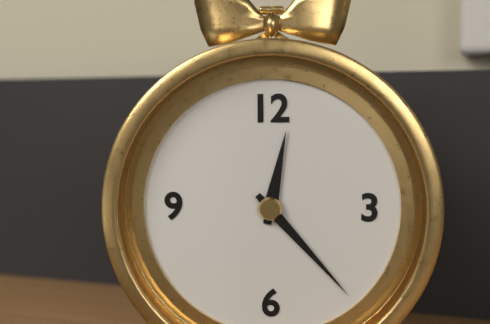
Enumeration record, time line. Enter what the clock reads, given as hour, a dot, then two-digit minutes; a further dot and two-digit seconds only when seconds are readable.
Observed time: 12.23
